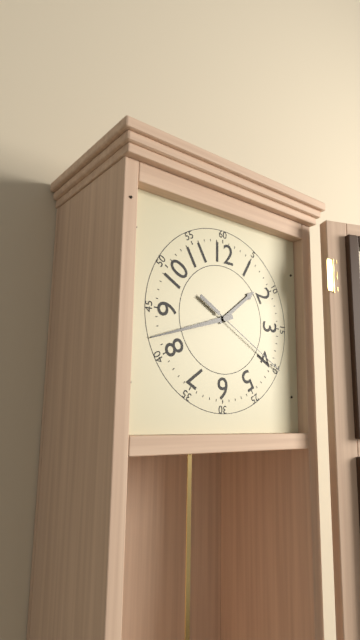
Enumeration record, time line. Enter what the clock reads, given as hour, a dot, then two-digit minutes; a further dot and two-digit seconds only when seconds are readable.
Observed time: 1.42.20
